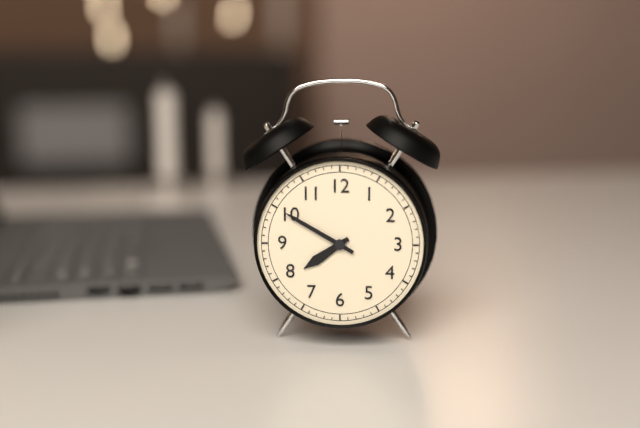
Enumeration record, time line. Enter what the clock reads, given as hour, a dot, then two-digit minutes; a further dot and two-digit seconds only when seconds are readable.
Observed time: 7.50
